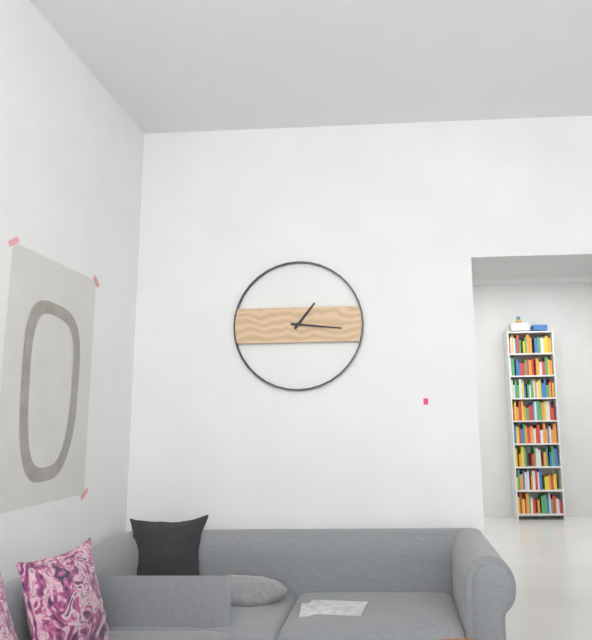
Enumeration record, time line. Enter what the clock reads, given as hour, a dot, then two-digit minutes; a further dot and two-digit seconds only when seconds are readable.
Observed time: 1.16
